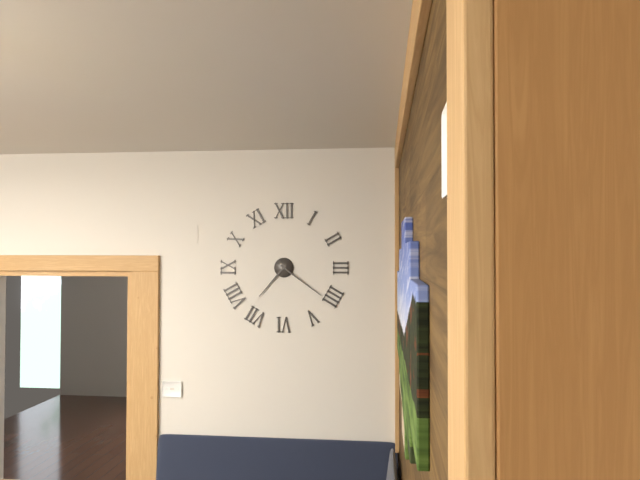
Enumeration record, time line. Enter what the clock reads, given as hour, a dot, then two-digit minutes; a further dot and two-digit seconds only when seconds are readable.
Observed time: 7.21
